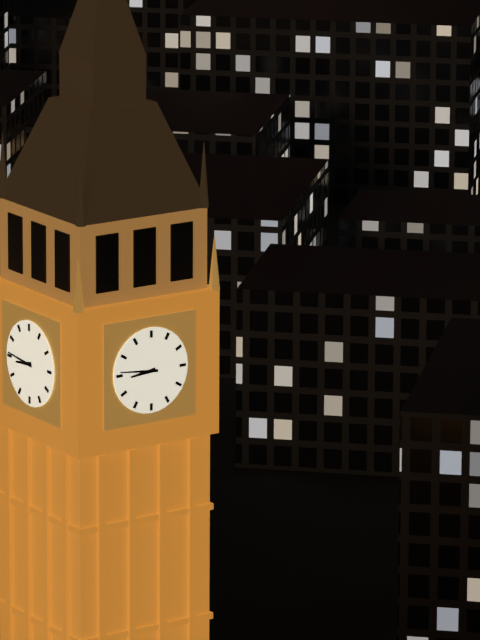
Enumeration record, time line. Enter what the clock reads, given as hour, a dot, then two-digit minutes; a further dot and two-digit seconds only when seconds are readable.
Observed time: 8.46
